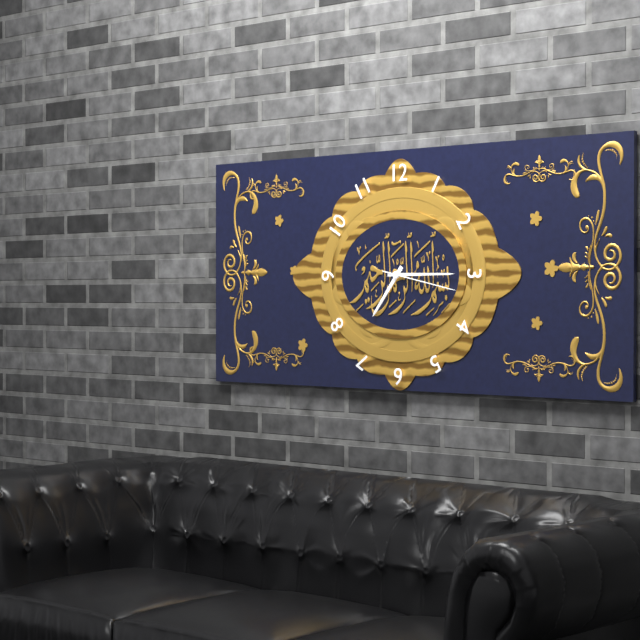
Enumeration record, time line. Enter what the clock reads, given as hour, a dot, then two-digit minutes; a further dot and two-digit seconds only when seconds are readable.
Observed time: 7.15.17
